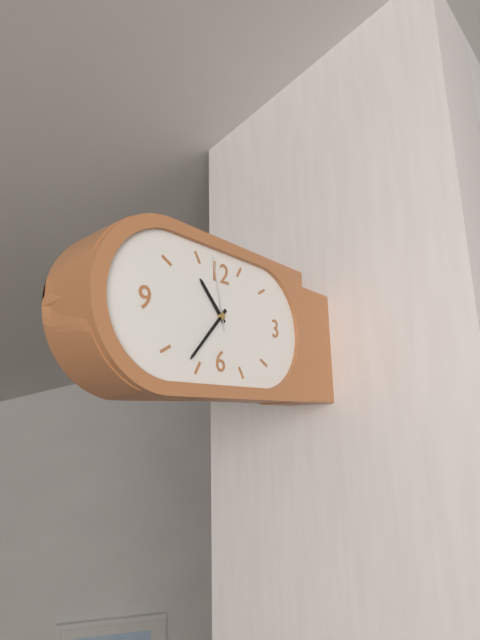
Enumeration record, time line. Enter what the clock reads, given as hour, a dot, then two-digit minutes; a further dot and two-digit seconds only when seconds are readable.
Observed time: 10.37.58
